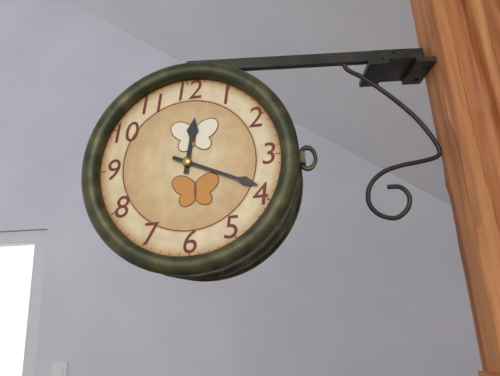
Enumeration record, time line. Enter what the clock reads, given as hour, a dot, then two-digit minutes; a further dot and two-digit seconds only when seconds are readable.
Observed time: 12.19
